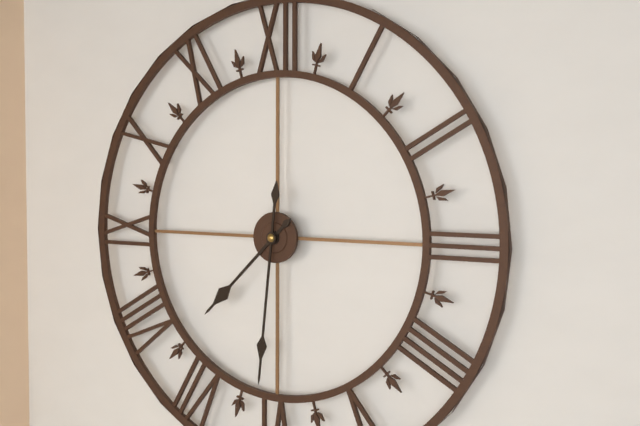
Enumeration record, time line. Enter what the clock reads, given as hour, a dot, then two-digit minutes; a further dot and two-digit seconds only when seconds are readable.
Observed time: 7.31
